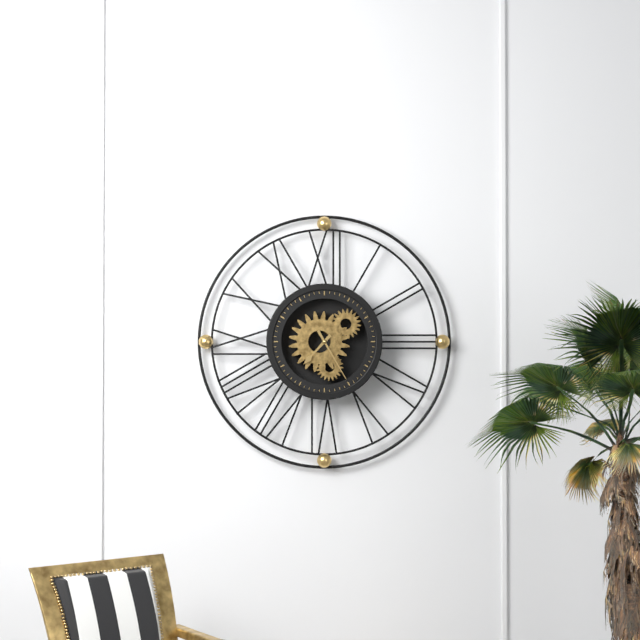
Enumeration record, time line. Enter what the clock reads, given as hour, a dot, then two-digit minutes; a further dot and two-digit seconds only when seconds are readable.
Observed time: 7.25
